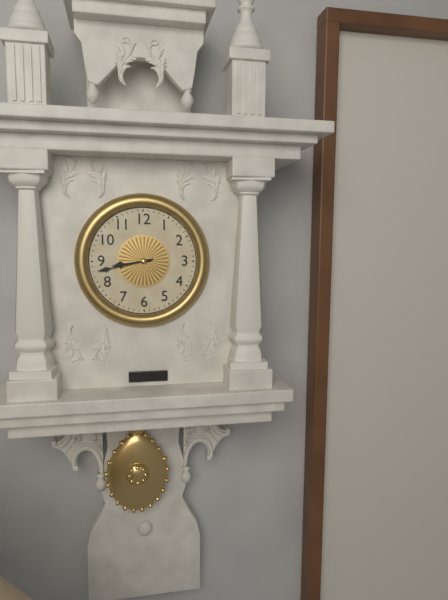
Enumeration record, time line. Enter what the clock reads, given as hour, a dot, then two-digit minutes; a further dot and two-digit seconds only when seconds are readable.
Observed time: 8.43
